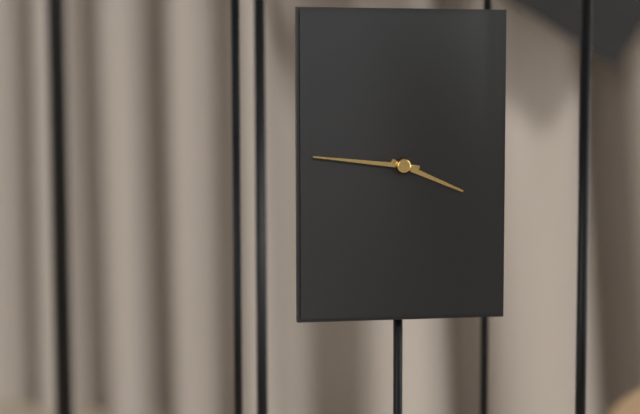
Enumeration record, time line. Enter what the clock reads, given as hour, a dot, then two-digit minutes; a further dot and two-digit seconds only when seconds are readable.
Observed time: 3.46
